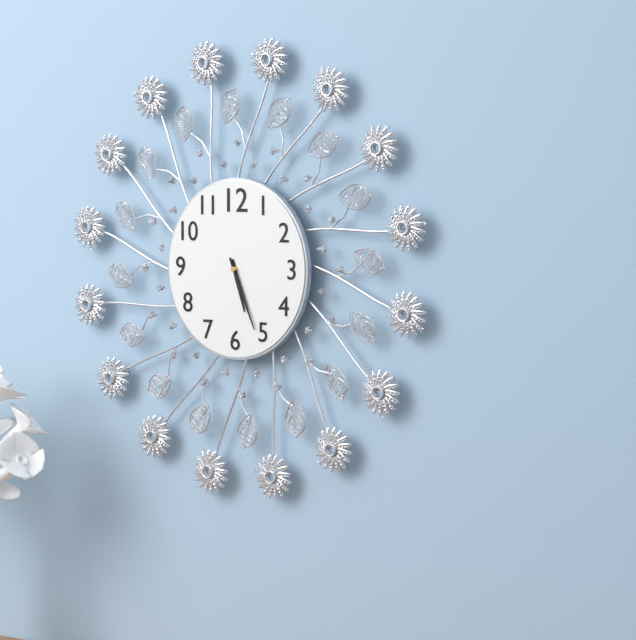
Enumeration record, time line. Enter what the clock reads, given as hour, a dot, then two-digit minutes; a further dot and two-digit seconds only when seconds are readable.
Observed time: 5.26
